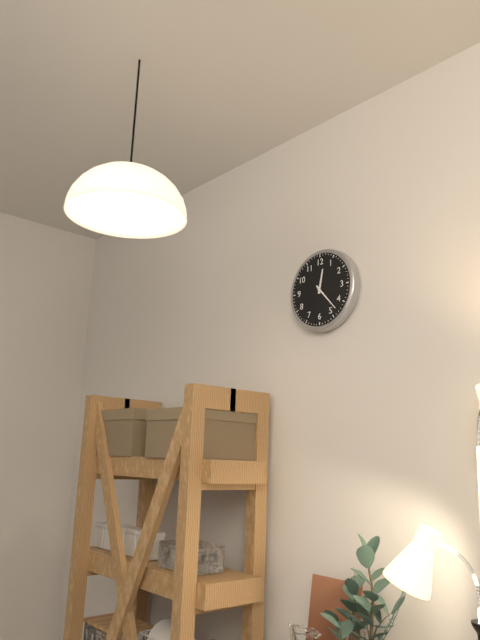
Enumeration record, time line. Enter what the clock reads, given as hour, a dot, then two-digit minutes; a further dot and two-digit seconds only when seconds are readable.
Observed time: 12.23
